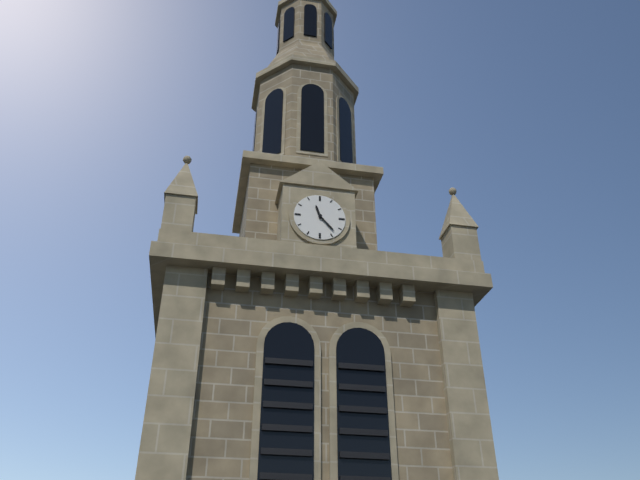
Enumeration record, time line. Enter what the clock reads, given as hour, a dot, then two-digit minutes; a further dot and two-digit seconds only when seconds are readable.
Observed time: 11.23
